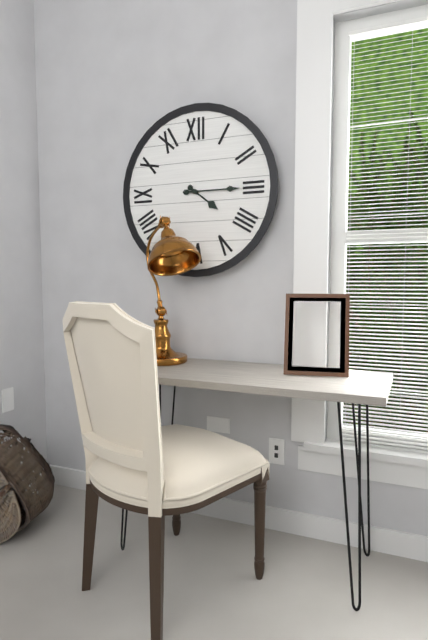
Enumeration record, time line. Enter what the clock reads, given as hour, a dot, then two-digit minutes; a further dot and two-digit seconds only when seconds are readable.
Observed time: 4.15
